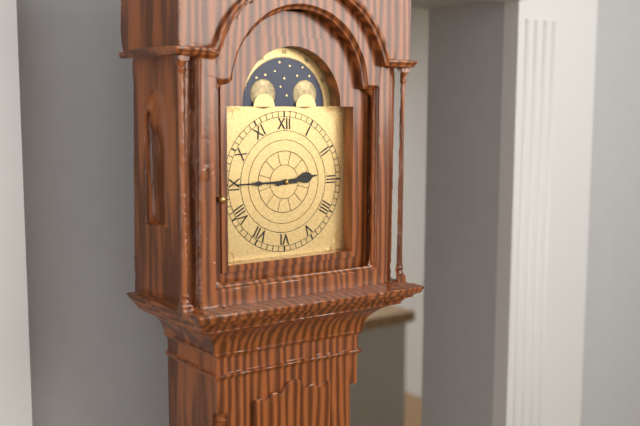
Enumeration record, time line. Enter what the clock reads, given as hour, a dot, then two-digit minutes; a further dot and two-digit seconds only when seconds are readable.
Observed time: 2.45
